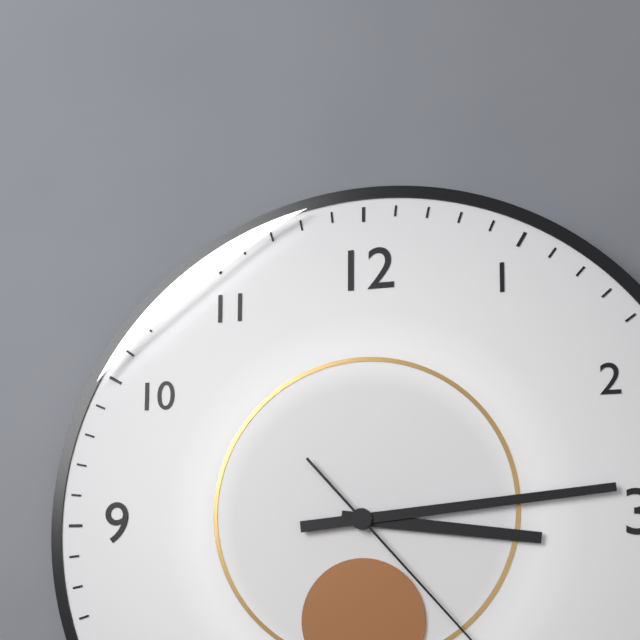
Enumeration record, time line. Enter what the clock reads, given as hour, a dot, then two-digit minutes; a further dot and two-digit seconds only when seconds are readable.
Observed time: 3.14
